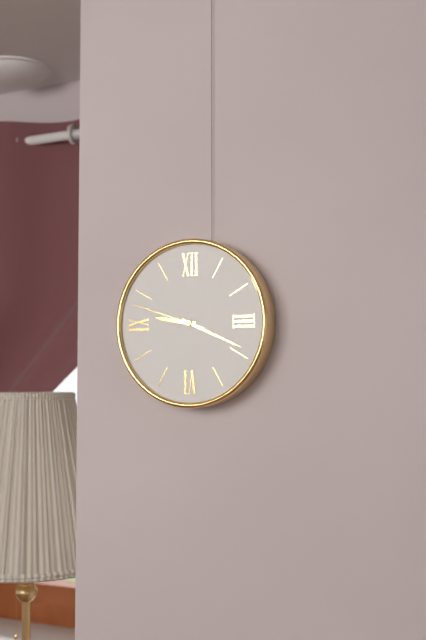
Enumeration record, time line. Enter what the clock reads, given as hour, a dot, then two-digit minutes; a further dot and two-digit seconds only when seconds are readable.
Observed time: 9.19.48
